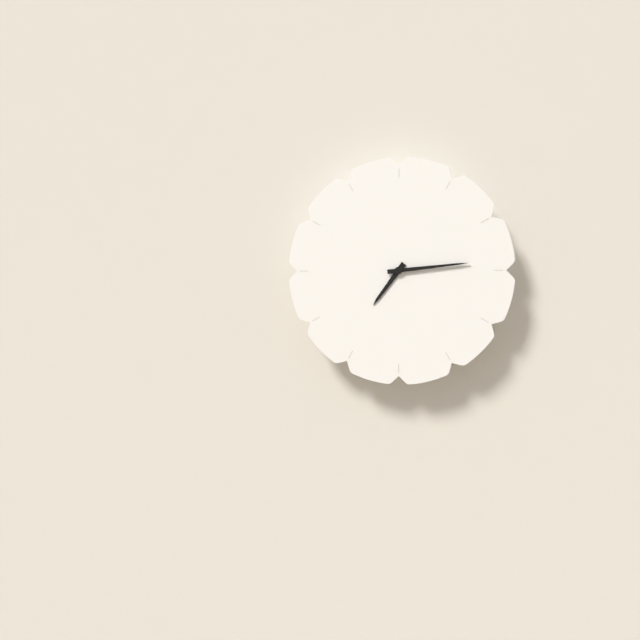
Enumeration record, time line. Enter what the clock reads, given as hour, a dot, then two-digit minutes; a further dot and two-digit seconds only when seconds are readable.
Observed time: 7.14
